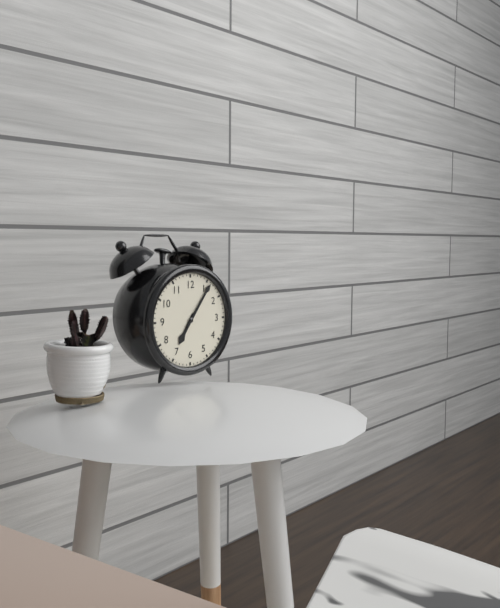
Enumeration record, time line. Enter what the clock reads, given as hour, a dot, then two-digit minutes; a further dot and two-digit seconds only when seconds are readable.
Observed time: 7.06
